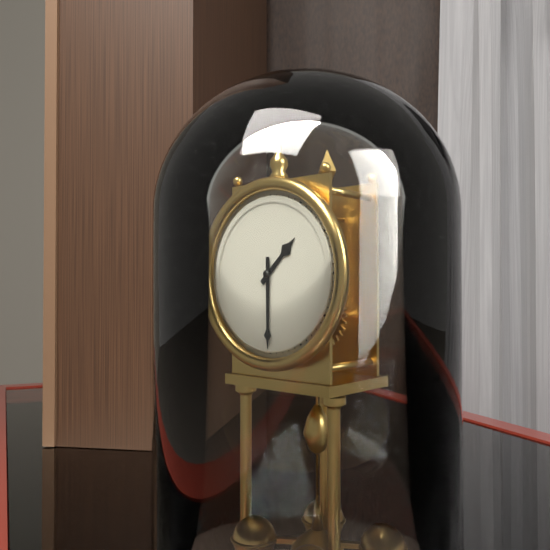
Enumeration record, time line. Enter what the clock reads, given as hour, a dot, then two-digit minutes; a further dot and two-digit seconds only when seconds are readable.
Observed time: 1.30
